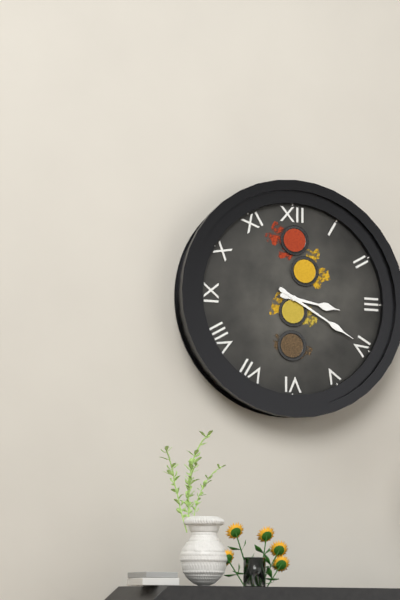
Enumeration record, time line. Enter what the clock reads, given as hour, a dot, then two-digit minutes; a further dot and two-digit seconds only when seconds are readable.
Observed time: 3.20
